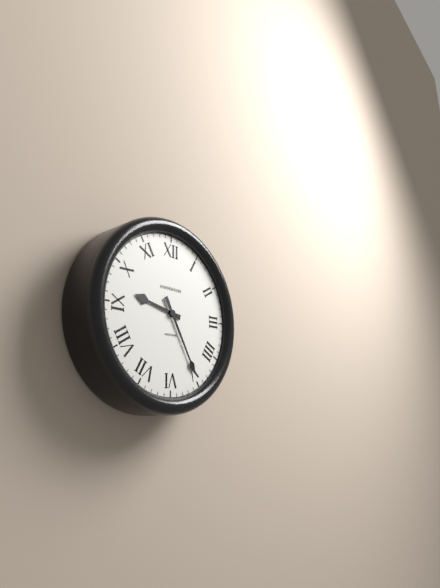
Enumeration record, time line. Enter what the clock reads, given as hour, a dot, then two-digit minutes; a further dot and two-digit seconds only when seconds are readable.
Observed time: 9.25
